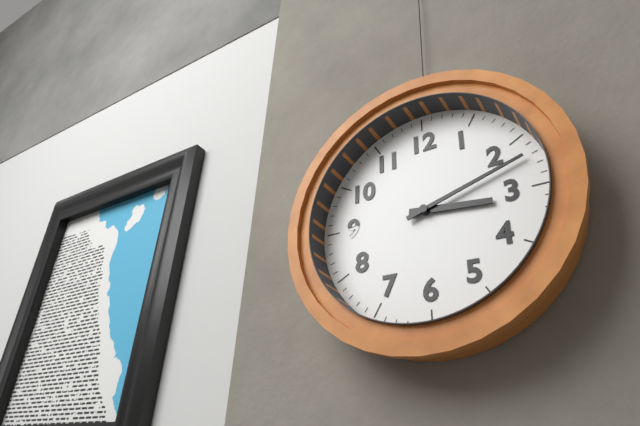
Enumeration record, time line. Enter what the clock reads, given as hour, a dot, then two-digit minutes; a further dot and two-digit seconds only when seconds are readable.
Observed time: 3.12
